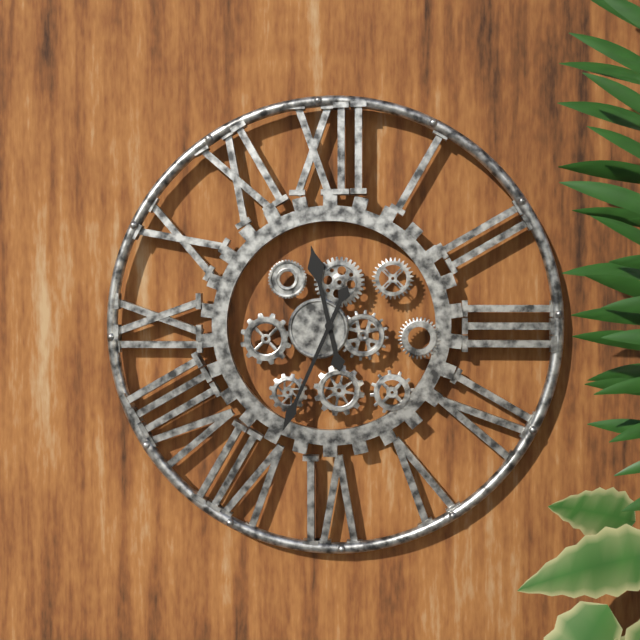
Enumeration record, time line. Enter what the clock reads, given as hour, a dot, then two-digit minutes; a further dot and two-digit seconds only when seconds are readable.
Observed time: 11.34
